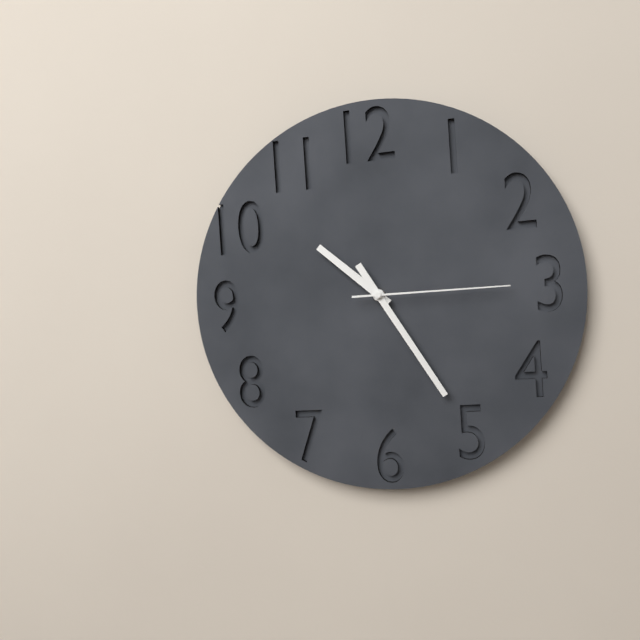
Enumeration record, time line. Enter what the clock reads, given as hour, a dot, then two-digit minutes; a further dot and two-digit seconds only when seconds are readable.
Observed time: 10.25.15
